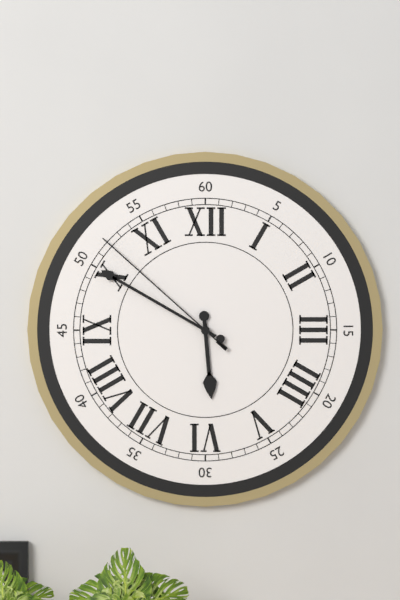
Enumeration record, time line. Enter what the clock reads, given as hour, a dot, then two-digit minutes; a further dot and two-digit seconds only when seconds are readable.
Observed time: 5.50.52
